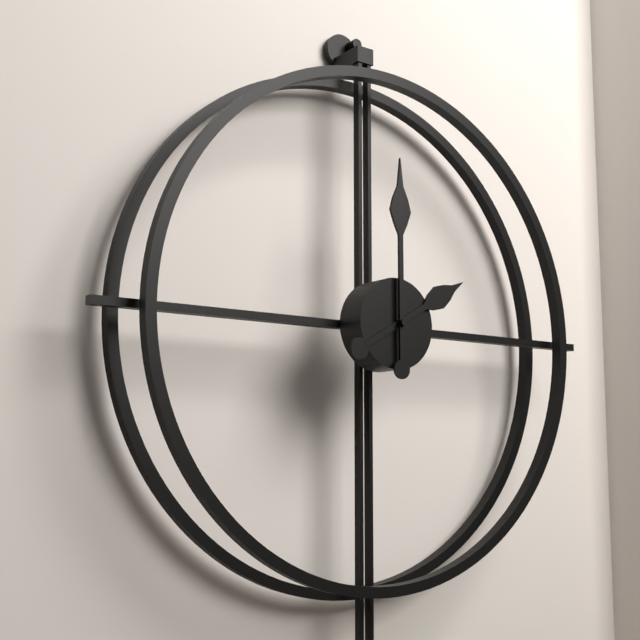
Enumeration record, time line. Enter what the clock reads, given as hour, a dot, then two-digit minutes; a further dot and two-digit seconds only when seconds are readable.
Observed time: 2.00
